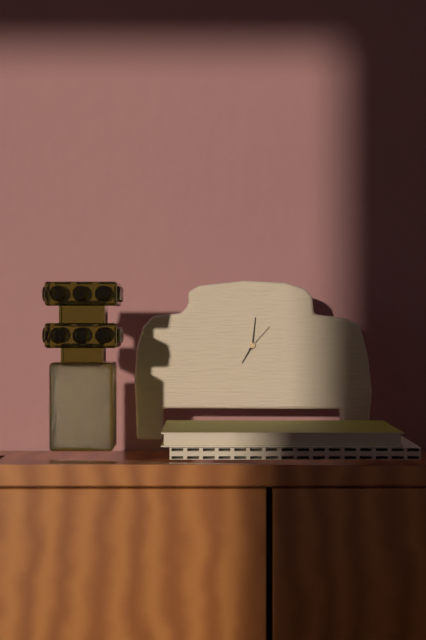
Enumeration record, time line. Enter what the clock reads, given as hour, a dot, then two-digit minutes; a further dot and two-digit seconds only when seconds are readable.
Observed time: 7.01
